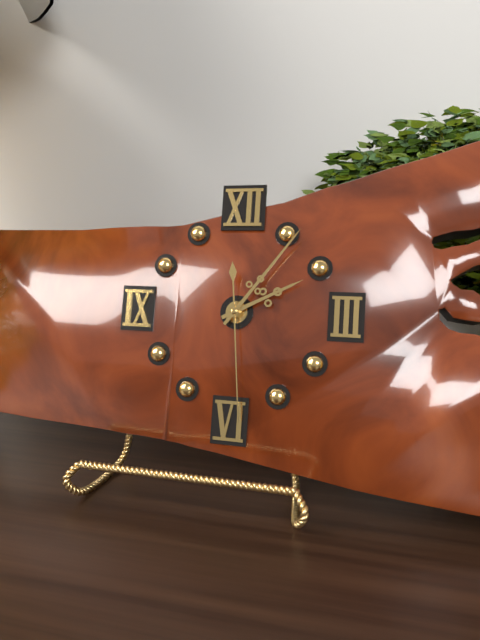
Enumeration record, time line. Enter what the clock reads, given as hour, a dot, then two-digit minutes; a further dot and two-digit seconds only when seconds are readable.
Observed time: 2.06.29
